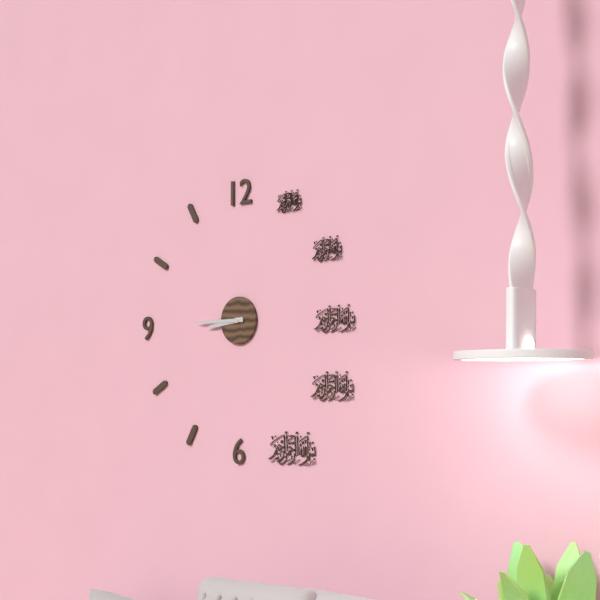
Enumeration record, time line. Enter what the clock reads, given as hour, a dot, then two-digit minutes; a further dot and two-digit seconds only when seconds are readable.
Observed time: 8.45
